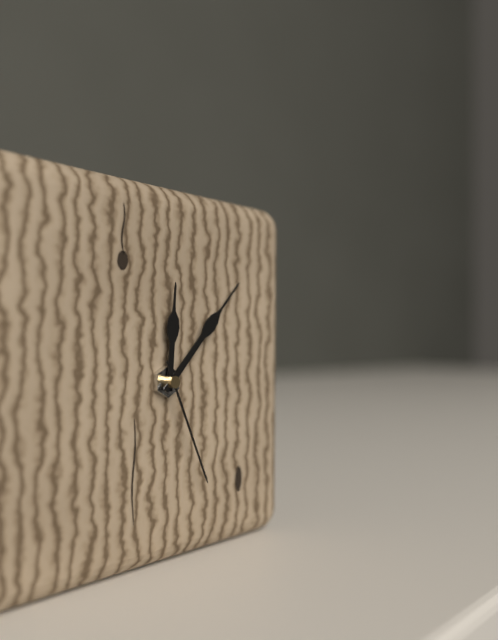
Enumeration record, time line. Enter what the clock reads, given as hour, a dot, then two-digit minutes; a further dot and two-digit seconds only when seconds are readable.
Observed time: 12.07.26
